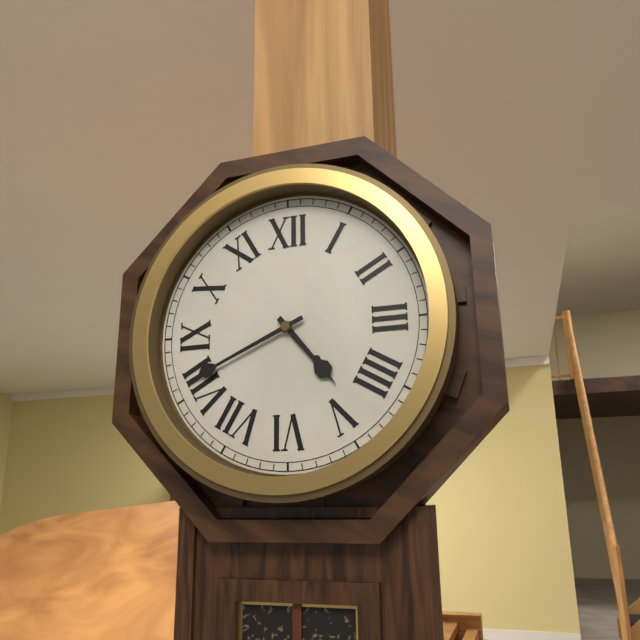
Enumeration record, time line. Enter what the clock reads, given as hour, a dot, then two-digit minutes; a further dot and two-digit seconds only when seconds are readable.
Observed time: 4.41
